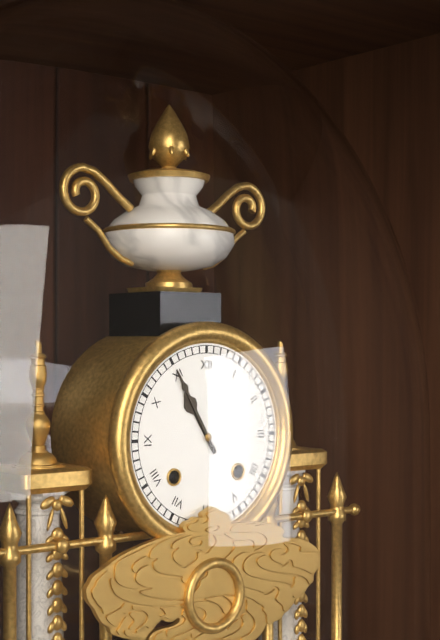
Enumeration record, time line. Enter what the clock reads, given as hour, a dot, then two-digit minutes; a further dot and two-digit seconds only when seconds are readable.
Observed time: 10.55
